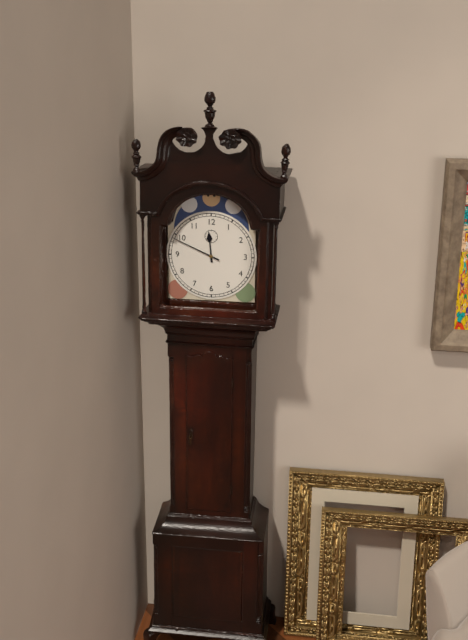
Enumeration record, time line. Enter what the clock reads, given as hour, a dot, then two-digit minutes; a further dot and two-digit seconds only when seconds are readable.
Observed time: 11.49
